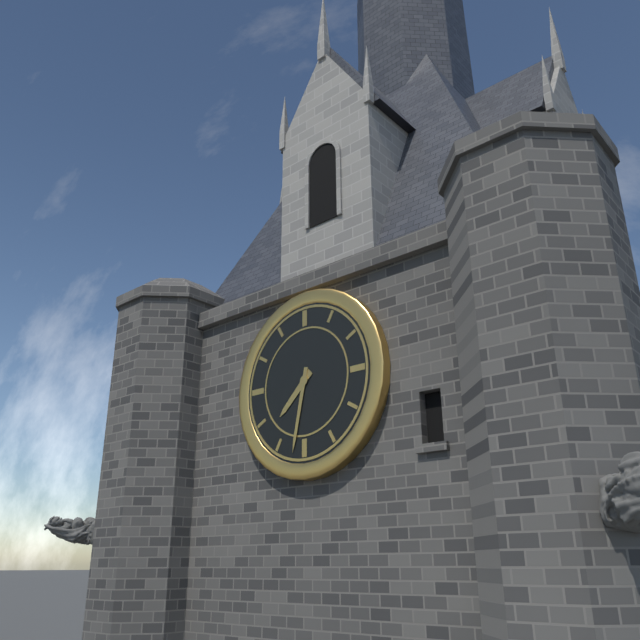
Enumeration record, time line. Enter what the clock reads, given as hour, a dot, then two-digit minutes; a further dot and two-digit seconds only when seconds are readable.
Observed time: 7.32
